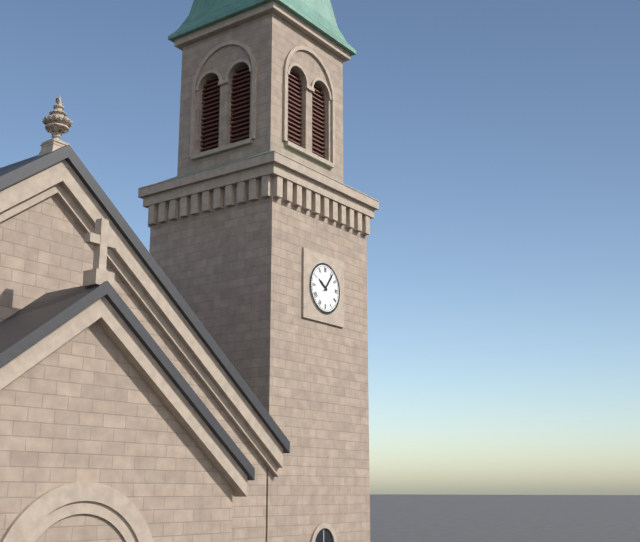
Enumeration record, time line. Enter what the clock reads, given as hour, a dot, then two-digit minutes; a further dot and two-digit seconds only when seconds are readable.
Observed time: 10.06
